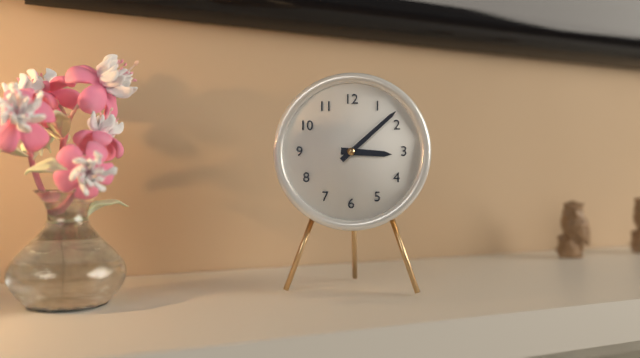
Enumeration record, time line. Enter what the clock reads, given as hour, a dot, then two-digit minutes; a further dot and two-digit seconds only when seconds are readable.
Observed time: 3.08
